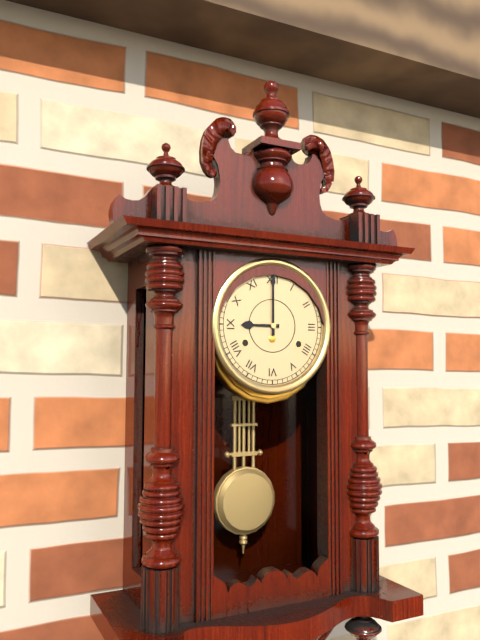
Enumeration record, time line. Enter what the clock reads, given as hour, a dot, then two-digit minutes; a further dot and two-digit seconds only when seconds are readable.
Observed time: 9.00
